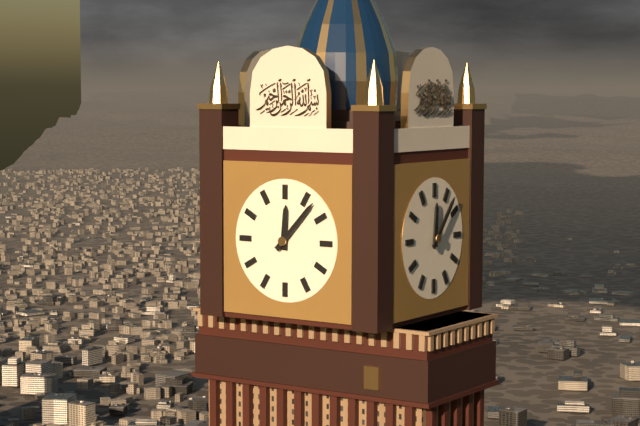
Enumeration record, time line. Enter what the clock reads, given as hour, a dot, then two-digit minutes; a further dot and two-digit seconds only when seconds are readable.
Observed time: 12.07
